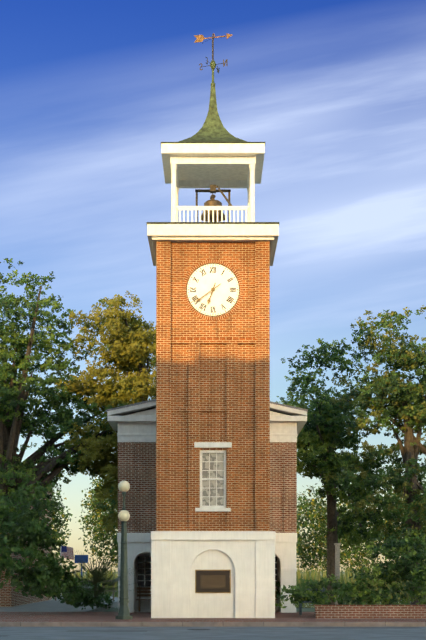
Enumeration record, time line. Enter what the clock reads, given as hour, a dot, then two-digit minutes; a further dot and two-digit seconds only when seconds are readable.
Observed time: 6.39
